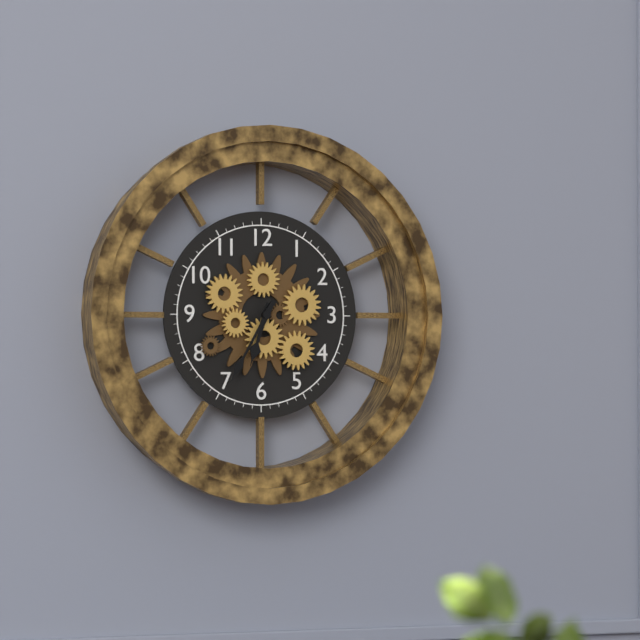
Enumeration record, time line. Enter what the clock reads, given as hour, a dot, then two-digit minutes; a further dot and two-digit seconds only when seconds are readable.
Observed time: 6.35
